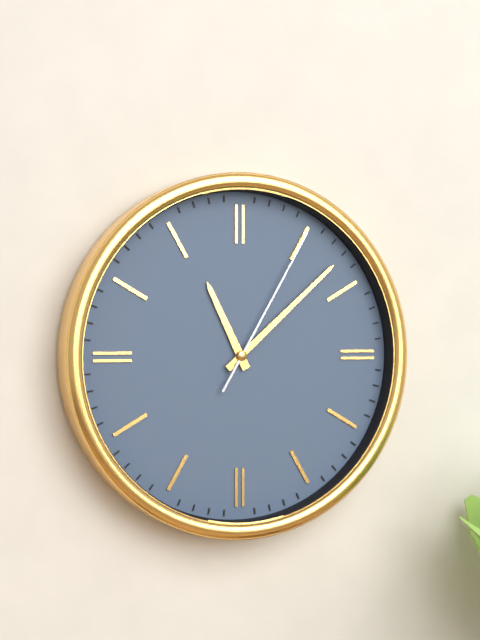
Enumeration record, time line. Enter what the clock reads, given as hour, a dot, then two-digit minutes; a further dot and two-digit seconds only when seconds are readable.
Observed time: 11.08.05
